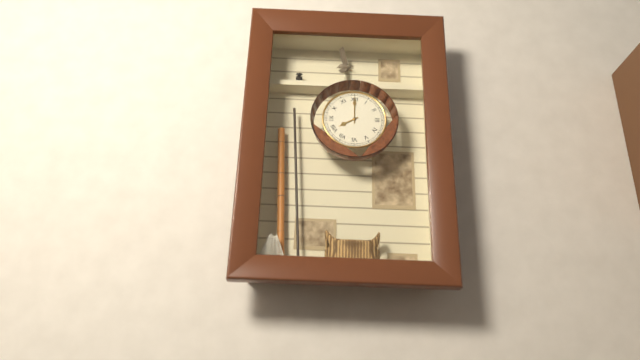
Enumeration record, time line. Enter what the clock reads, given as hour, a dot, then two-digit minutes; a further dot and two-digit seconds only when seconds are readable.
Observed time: 8.00
